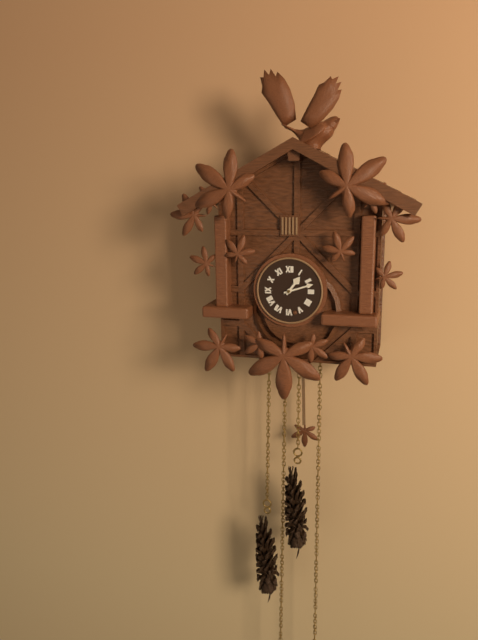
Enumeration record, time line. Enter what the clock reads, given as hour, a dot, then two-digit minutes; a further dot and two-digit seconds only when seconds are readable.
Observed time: 1.12
